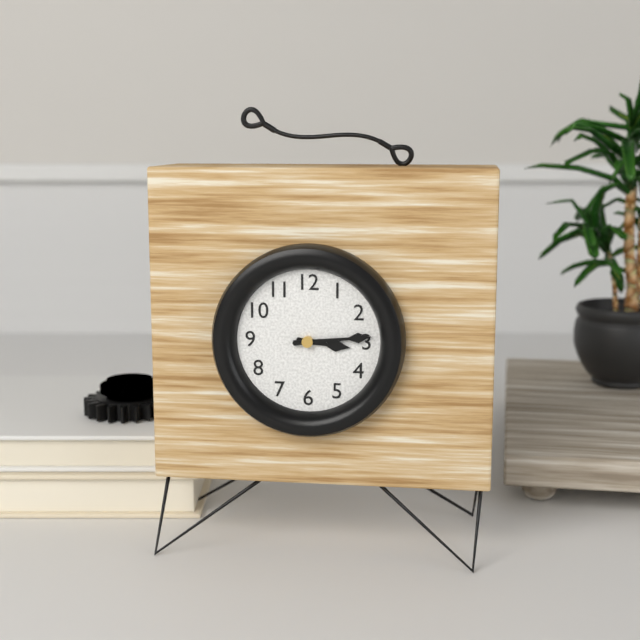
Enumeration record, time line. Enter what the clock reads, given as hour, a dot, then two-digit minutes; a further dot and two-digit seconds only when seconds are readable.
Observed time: 3.14
